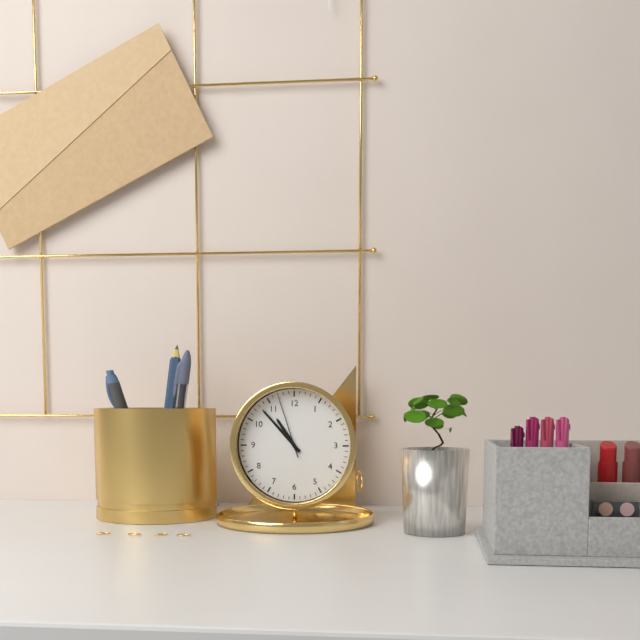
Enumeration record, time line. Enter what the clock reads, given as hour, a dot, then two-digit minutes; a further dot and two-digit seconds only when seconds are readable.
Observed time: 10.53.57
